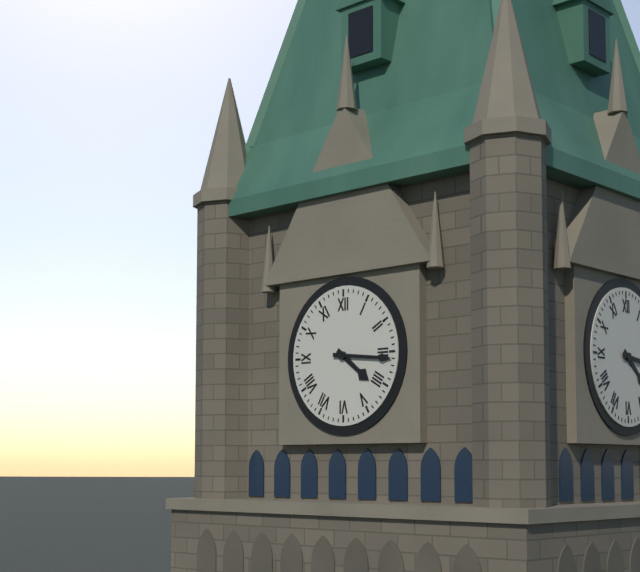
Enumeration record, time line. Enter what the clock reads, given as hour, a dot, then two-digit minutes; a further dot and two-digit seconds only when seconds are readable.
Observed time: 4.16
